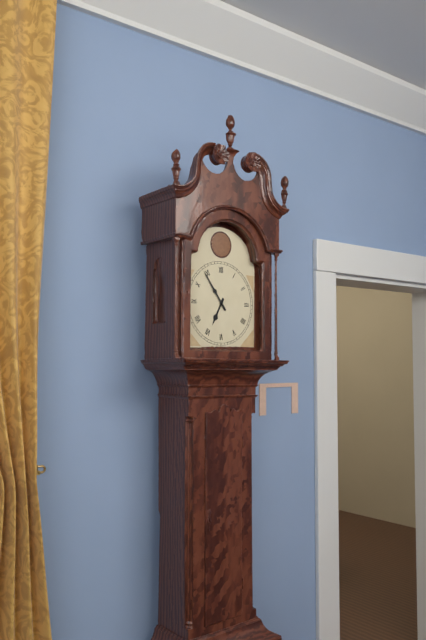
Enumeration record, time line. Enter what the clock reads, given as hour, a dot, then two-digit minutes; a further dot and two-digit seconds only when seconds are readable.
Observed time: 6.54
